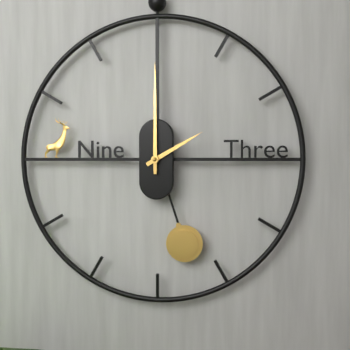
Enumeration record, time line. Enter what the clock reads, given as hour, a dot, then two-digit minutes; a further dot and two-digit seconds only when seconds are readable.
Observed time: 2.00
